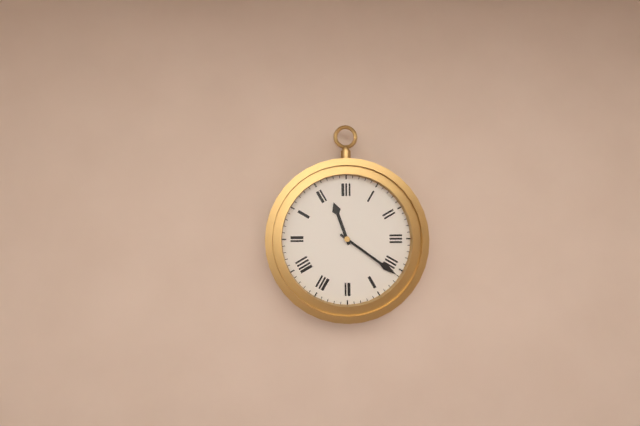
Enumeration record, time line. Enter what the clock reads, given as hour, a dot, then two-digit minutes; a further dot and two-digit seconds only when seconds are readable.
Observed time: 11.21
